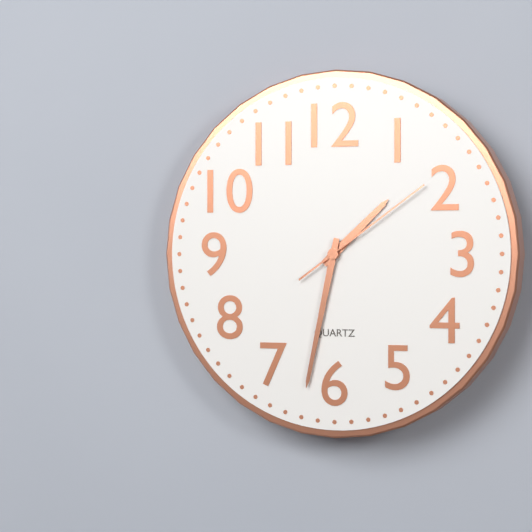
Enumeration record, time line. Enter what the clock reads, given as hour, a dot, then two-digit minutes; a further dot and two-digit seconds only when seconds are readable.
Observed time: 1.32.09
